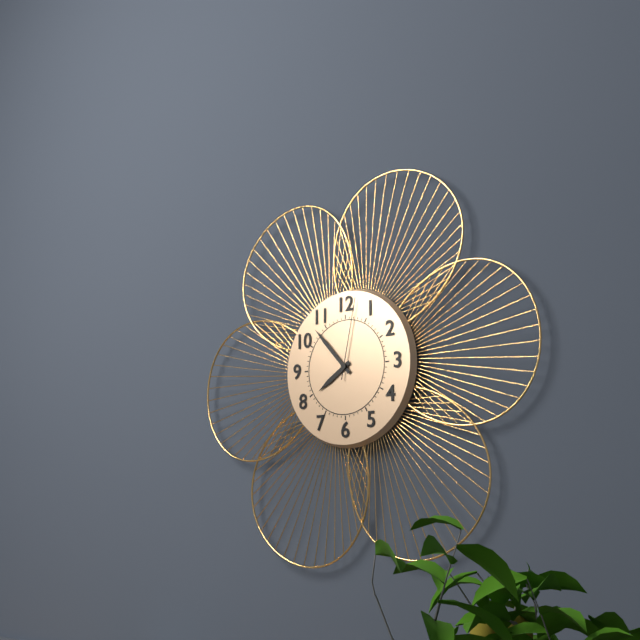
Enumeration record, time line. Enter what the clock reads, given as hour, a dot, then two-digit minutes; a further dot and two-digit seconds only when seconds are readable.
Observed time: 7.53.02
